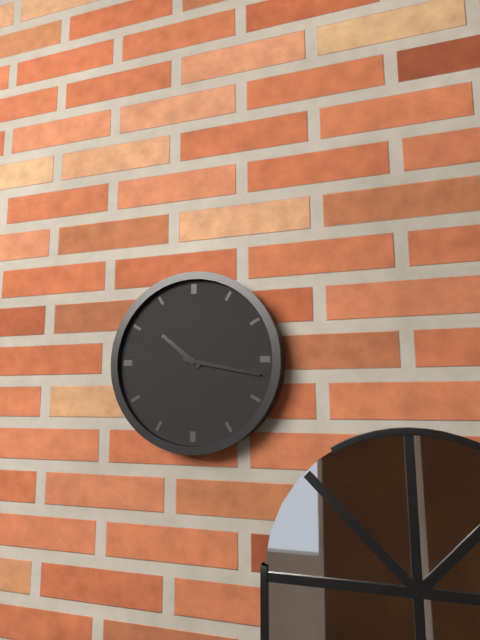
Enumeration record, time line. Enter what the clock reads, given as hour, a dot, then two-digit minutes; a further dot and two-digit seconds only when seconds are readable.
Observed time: 10.17
